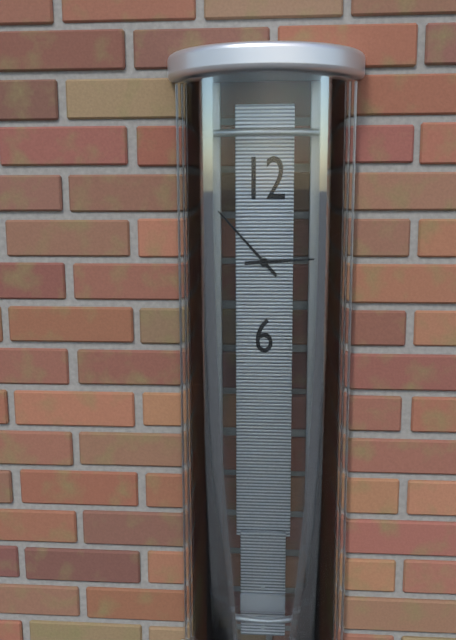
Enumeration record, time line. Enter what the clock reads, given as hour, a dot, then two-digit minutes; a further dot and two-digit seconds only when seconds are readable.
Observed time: 2.53
